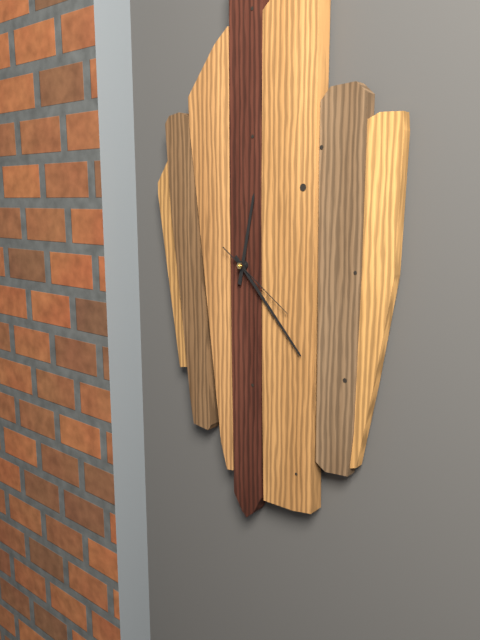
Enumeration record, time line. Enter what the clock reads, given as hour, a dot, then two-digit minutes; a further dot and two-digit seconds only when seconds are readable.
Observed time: 12.23.21
